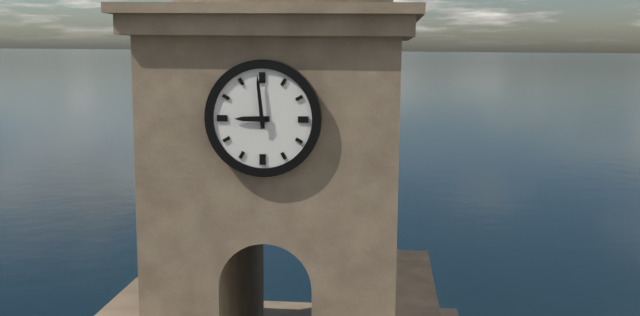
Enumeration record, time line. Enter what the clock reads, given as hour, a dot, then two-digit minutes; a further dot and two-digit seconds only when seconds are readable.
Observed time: 8.59
